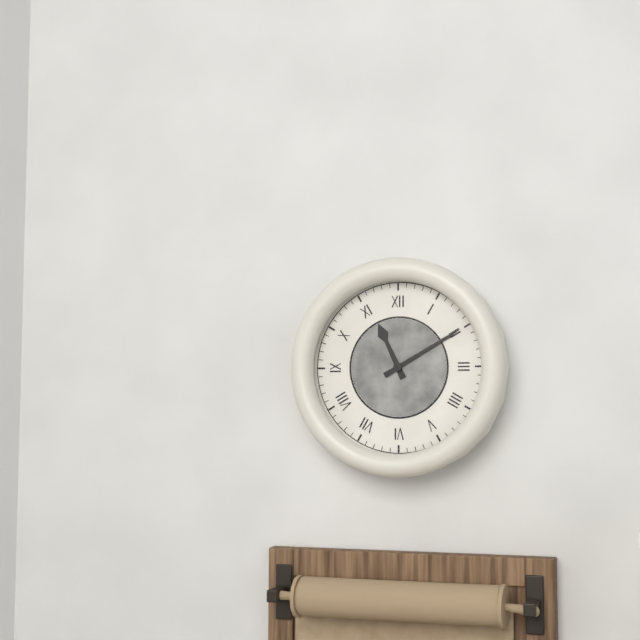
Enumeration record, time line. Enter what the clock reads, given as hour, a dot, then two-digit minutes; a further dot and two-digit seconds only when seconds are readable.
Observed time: 11.10
